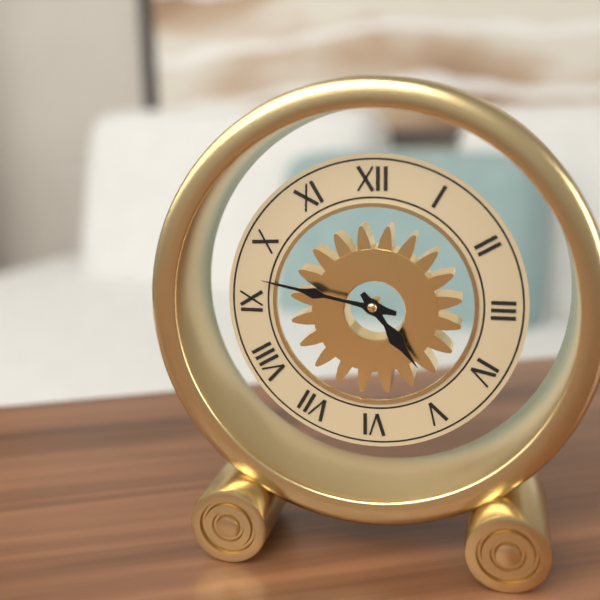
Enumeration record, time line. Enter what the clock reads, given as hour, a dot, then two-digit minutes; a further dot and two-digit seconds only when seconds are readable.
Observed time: 4.47
